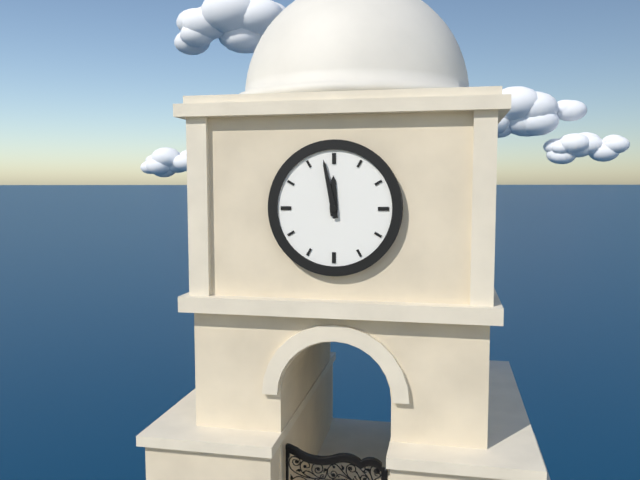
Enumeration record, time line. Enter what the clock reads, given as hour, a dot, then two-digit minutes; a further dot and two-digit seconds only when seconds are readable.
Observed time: 11.58
